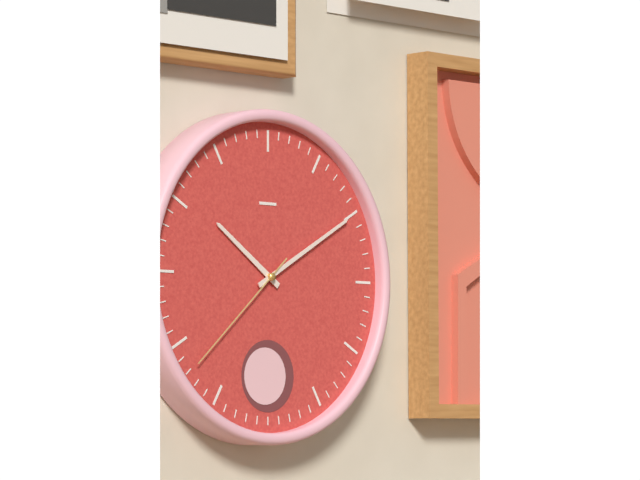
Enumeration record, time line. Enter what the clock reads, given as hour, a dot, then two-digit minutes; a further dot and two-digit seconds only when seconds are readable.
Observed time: 10.10.38
